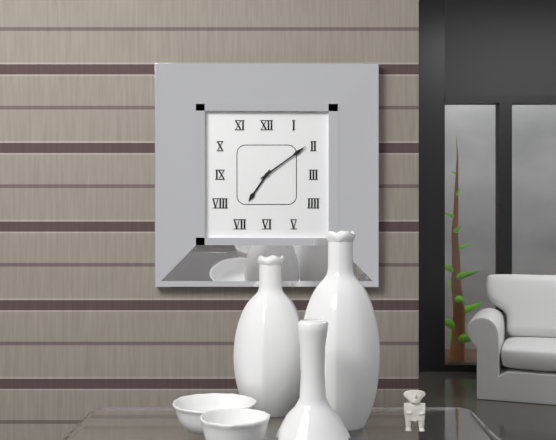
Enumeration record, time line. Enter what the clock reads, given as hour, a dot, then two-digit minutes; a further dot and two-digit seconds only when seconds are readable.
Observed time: 7.09
